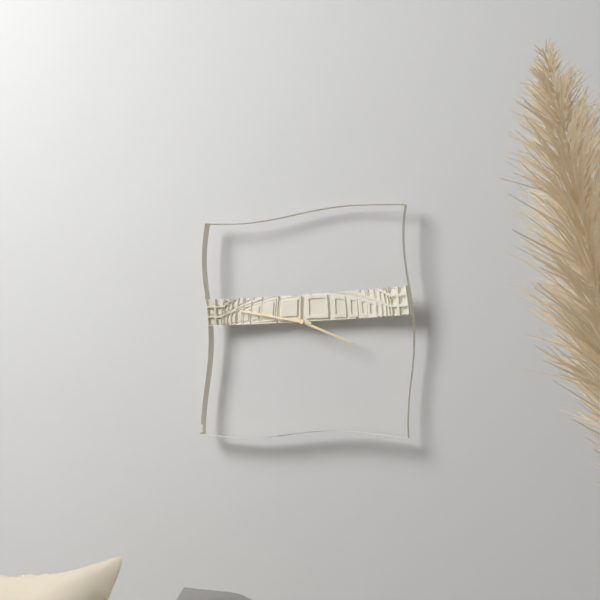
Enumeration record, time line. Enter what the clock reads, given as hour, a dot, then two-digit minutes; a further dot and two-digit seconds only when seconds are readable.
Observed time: 3.47
